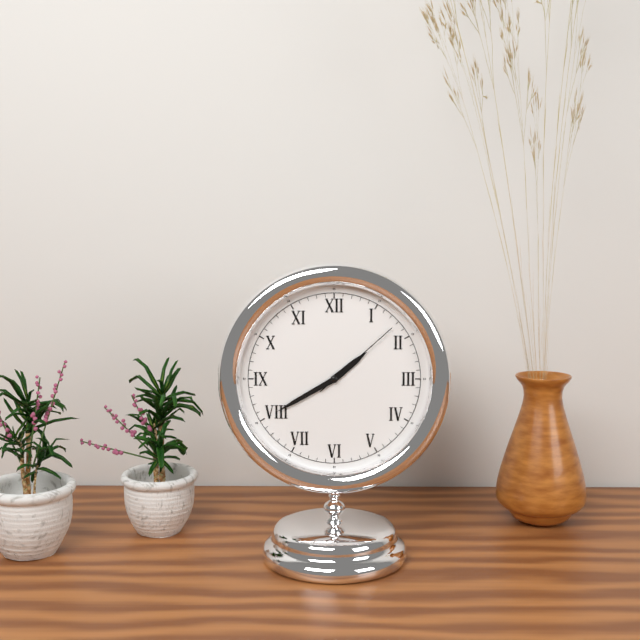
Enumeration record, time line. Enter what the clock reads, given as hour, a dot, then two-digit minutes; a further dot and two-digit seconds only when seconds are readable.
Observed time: 1.40.08
